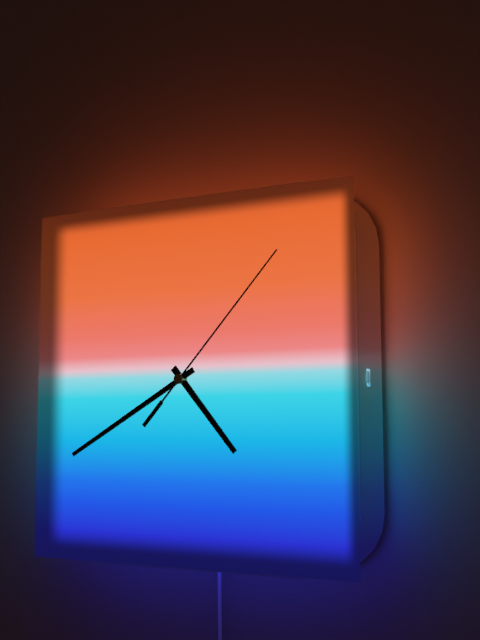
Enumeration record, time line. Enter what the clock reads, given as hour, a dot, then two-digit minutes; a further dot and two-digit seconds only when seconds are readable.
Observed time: 4.40.07
